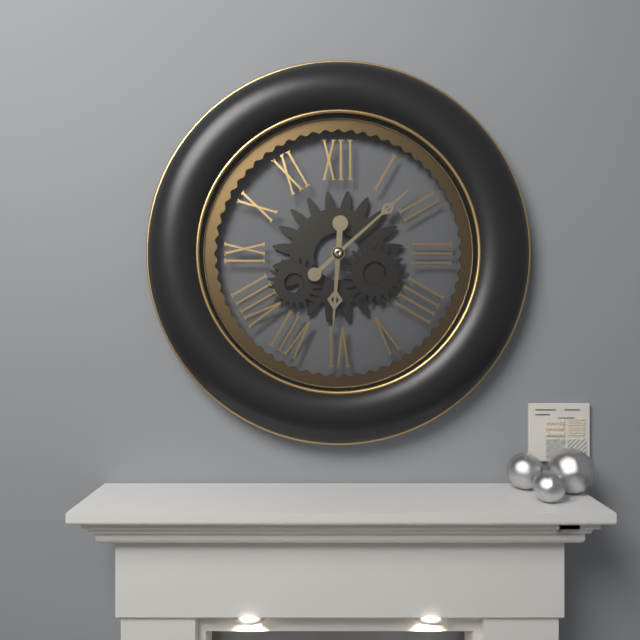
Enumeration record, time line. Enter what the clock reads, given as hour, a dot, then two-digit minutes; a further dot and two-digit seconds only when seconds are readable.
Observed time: 6.08
